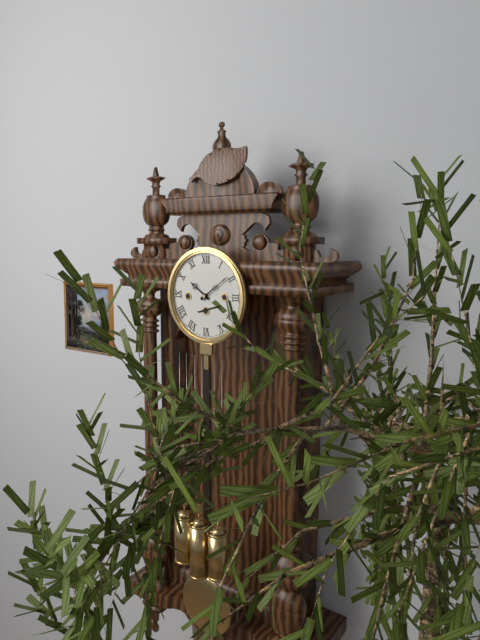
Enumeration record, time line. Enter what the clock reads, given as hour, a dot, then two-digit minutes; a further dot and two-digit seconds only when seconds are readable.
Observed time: 10.09
